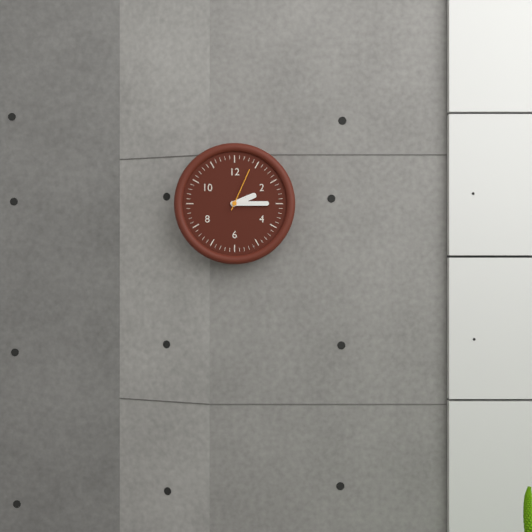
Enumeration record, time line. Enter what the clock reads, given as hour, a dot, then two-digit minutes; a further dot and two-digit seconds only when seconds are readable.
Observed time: 2.15
